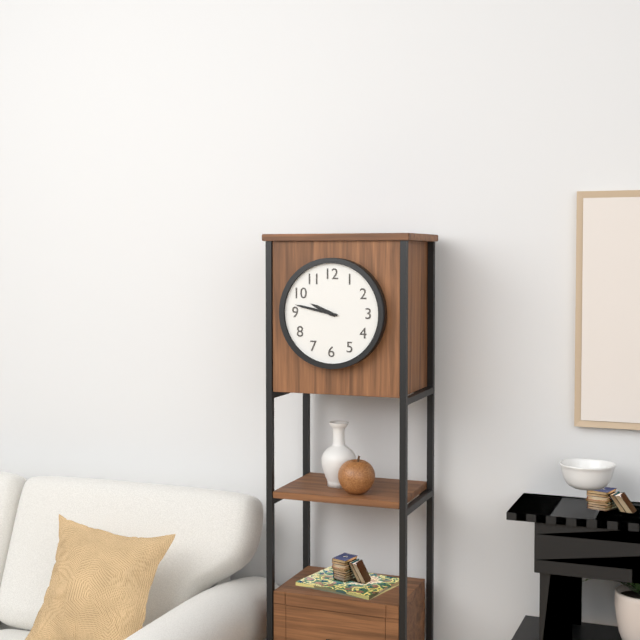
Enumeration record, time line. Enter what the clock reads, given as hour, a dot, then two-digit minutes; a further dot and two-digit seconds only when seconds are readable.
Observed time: 9.47
